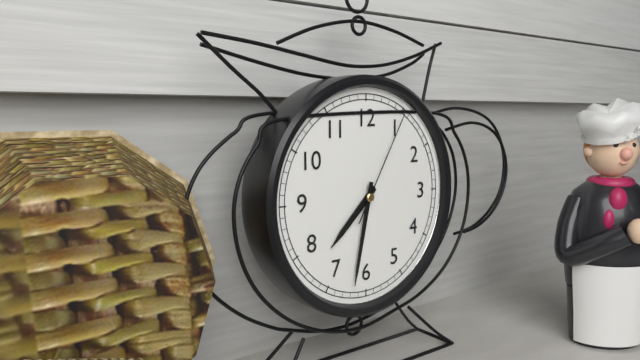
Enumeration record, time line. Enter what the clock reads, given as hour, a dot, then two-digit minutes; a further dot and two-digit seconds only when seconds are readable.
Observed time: 7.32.05
